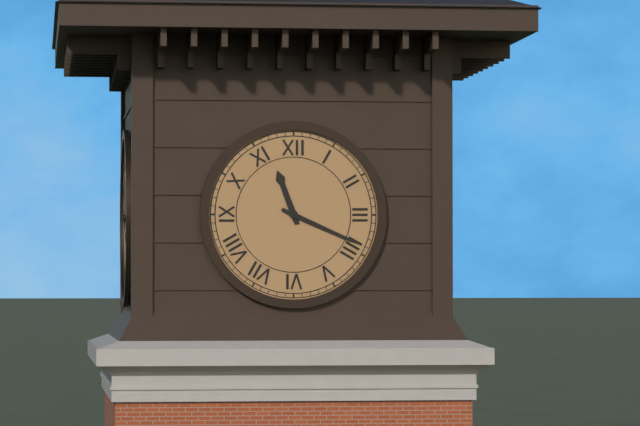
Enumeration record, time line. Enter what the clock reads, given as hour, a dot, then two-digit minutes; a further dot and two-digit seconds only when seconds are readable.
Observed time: 11.19
